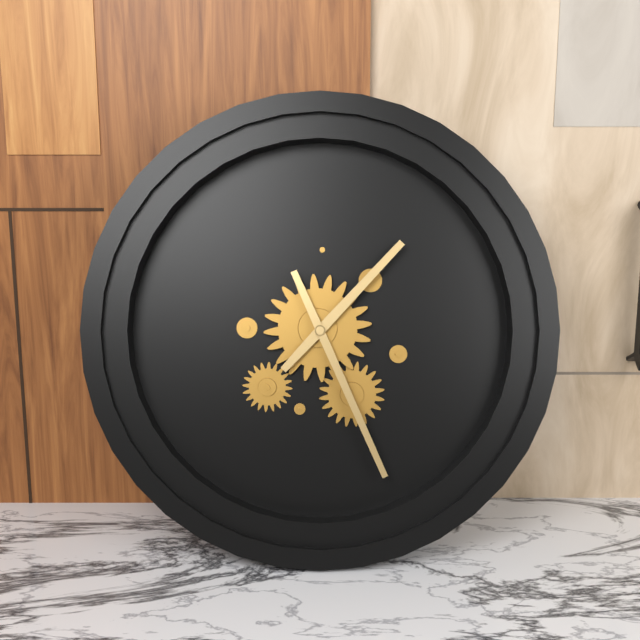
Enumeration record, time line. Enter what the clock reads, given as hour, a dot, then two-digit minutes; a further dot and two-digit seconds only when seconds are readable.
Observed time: 1.26
